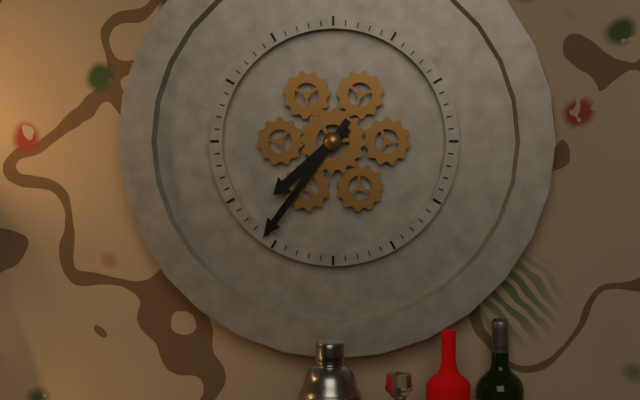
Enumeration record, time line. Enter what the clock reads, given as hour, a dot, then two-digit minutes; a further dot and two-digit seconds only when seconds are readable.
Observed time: 7.36
